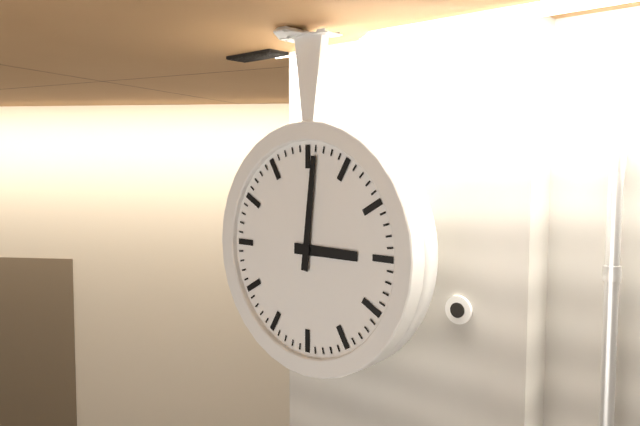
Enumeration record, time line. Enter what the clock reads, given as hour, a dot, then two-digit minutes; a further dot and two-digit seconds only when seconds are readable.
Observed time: 3.01
